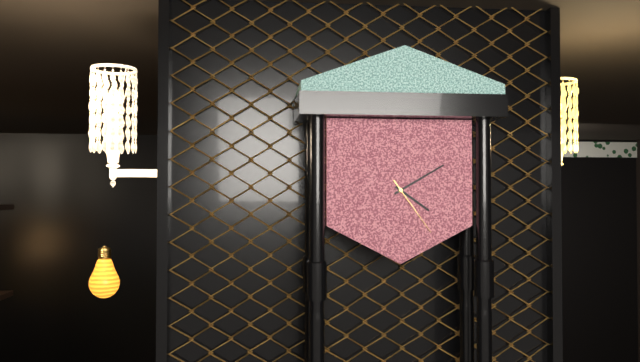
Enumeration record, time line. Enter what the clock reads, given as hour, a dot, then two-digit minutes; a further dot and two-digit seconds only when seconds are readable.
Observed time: 4.10.24
